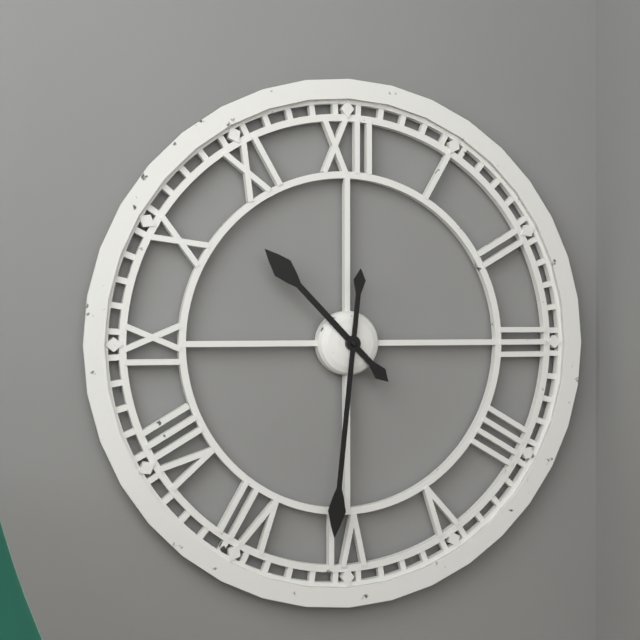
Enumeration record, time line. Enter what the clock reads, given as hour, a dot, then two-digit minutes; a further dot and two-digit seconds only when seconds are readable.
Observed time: 10.31
